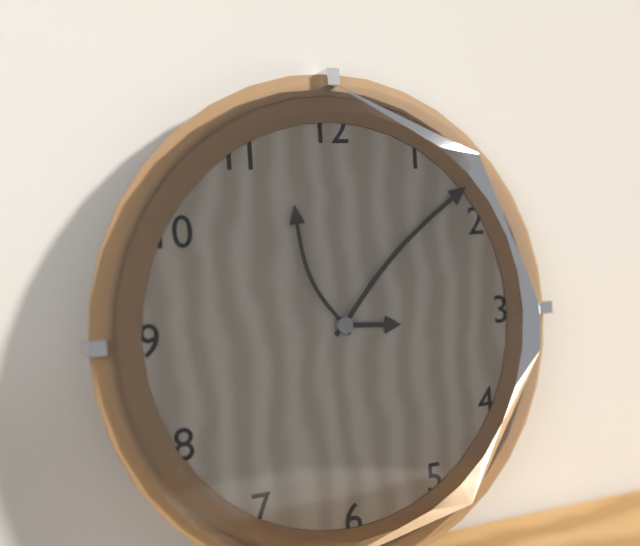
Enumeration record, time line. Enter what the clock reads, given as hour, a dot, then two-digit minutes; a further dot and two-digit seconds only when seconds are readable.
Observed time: 3.08.56
